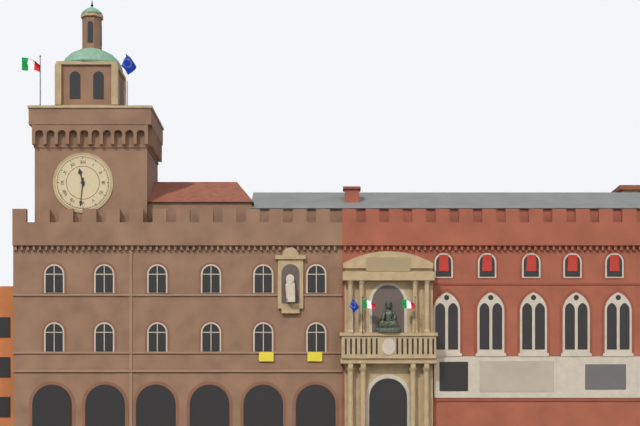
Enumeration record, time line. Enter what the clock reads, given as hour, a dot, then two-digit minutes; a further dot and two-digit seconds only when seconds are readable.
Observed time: 11.31
